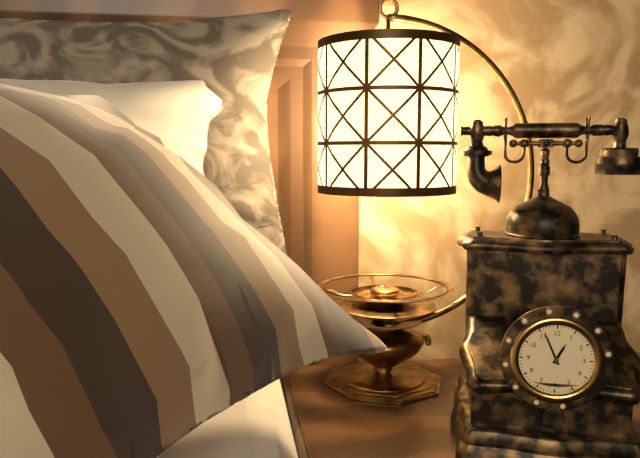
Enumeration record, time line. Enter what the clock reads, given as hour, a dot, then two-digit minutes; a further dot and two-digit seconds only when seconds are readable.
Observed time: 12.56
